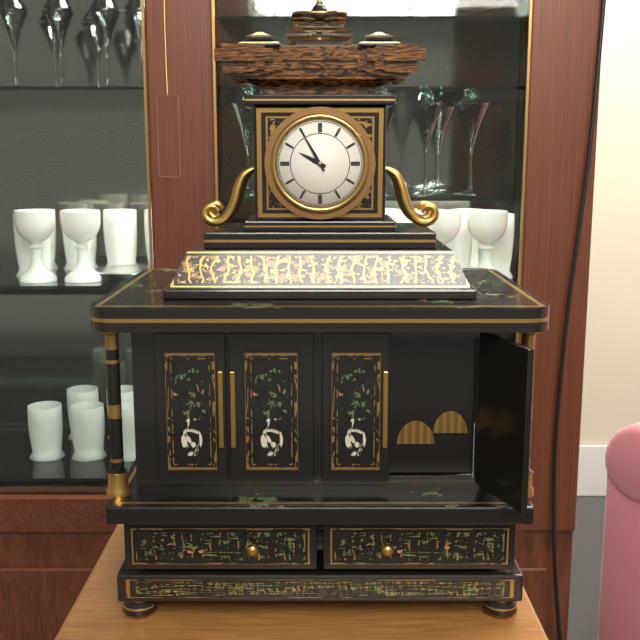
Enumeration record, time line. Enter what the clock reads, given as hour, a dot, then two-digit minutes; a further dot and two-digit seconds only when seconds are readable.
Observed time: 9.55
